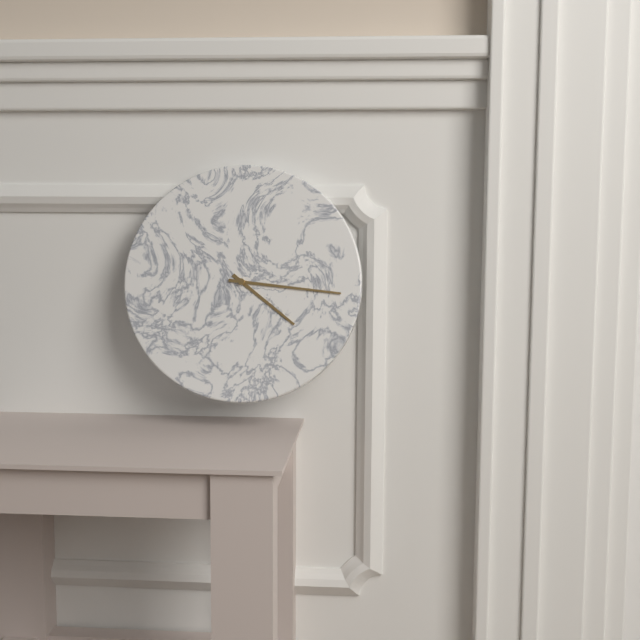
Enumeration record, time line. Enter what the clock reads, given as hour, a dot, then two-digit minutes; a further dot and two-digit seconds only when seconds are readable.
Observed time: 4.16
